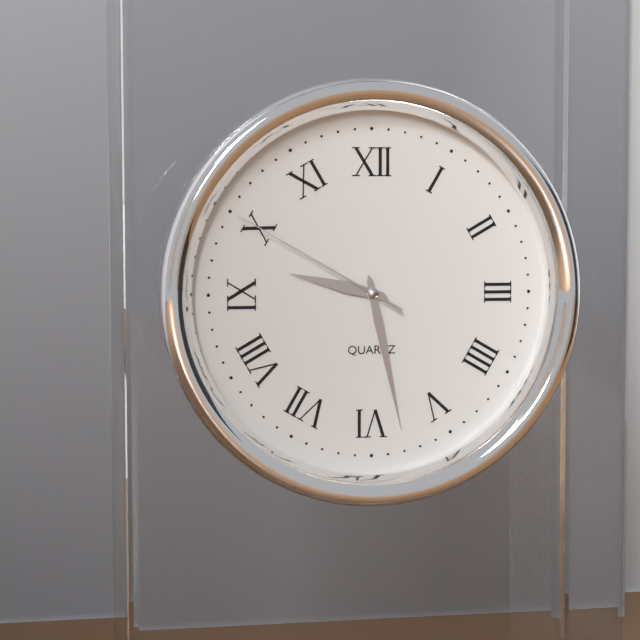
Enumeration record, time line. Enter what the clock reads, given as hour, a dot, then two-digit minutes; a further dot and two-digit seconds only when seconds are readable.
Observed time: 9.28.50
